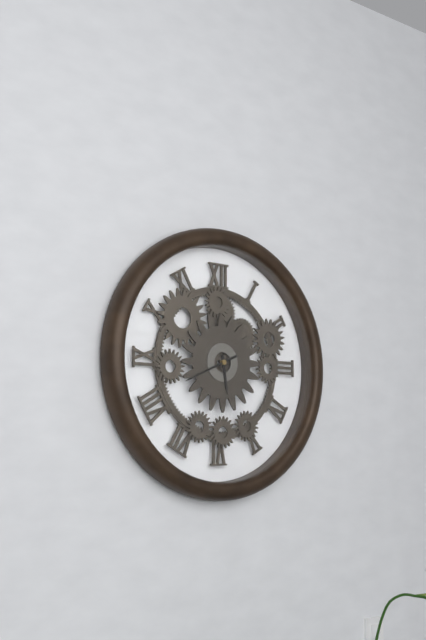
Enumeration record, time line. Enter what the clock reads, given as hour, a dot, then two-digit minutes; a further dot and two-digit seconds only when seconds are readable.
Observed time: 5.41
